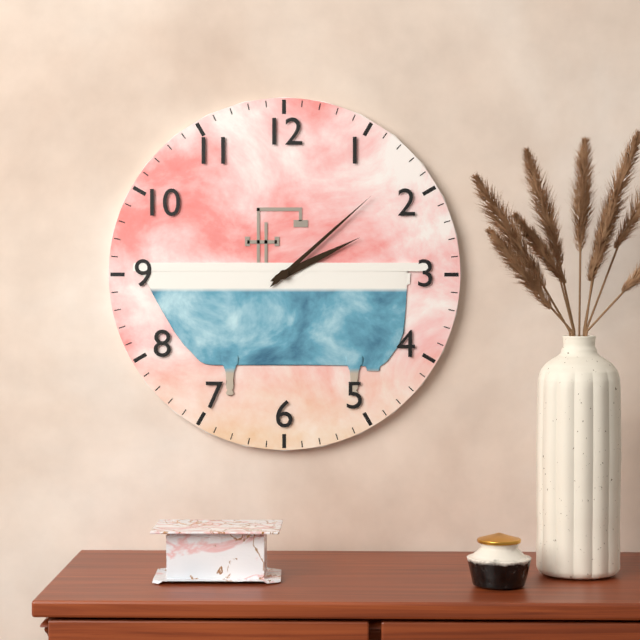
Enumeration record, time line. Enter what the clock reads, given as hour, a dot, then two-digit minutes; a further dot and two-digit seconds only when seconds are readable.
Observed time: 2.08
